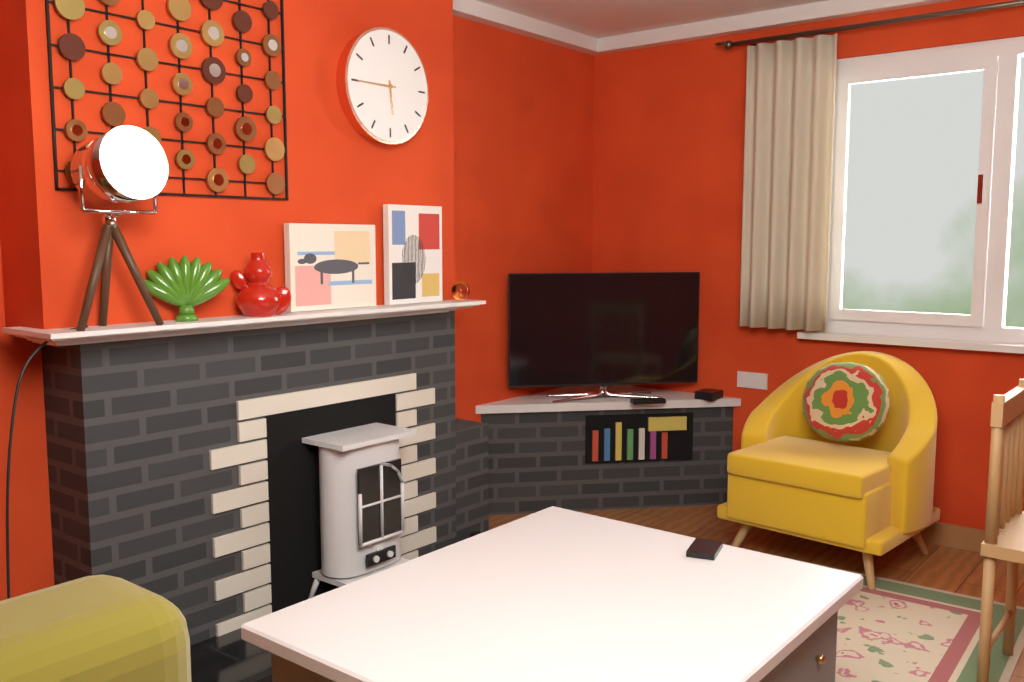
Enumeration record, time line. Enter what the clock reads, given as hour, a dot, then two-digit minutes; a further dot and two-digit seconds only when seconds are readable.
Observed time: 5.45
